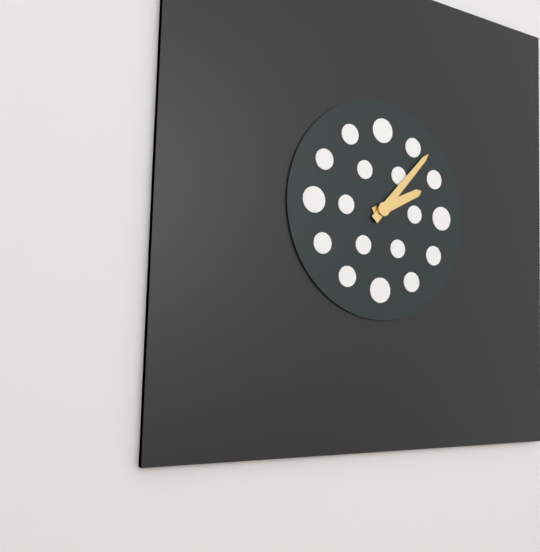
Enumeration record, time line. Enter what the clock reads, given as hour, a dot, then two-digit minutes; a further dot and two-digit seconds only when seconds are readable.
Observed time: 2.07
